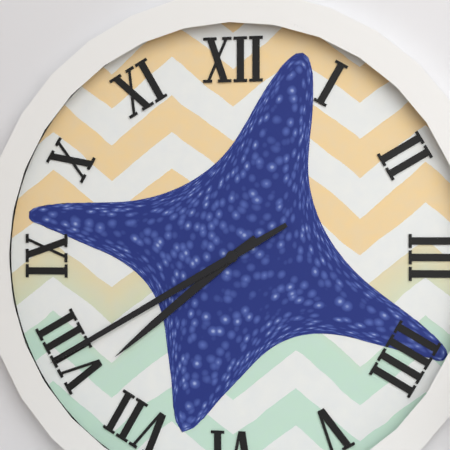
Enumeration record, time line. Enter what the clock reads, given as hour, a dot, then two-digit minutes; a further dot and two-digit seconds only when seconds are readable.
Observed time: 7.40
